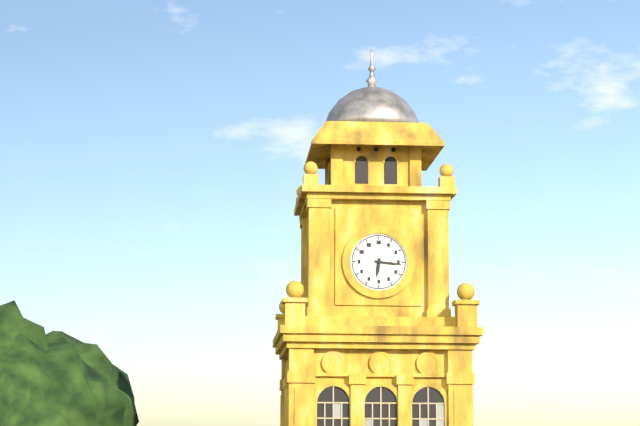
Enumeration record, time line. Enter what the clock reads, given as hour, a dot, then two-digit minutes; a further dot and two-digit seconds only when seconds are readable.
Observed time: 6.16
